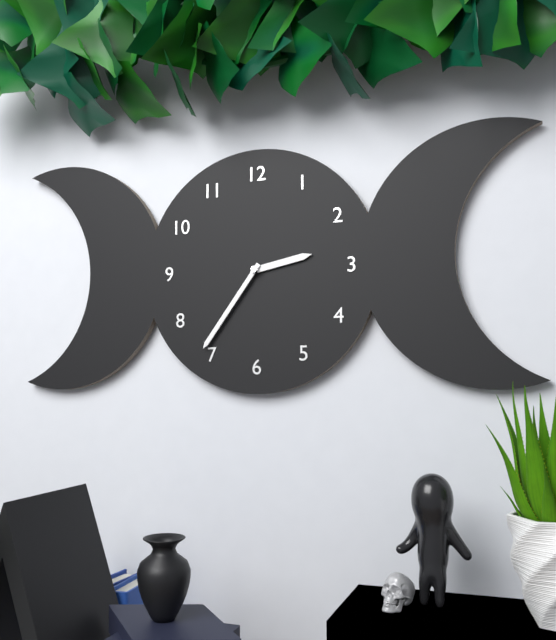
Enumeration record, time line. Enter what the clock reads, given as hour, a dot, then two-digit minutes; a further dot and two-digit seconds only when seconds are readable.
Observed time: 2.36
